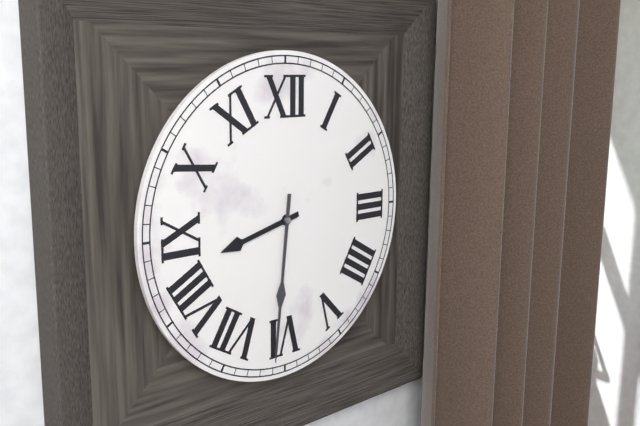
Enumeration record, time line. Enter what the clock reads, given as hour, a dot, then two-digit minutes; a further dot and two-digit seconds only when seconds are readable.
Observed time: 8.31
